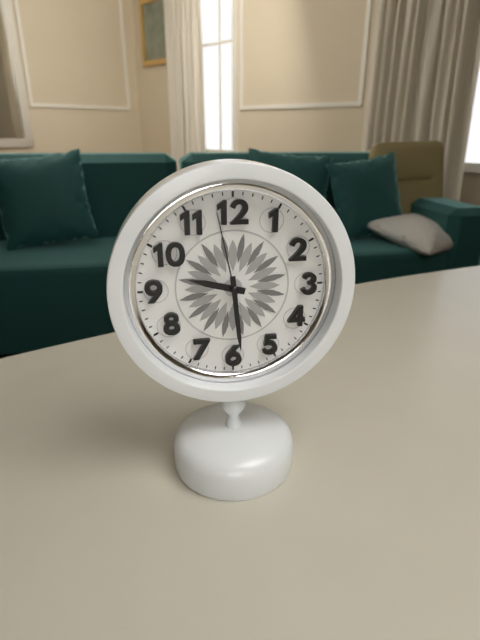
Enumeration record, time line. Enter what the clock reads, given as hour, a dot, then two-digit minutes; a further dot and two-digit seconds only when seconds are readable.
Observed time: 9.29.58
